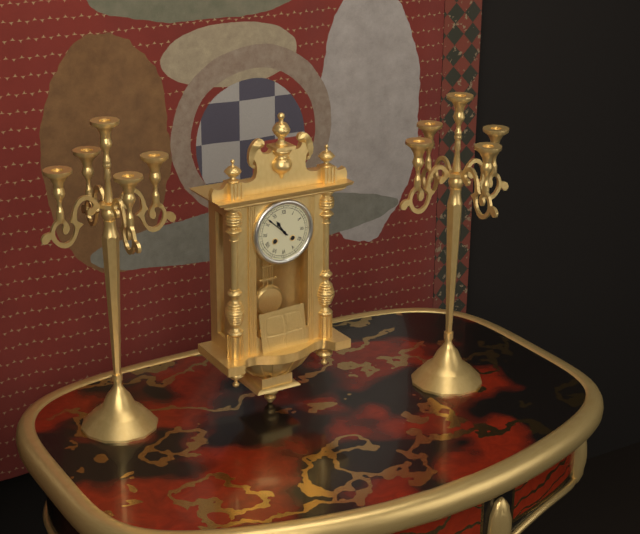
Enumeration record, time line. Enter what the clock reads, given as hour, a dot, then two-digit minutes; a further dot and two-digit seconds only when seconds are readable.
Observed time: 10.52
